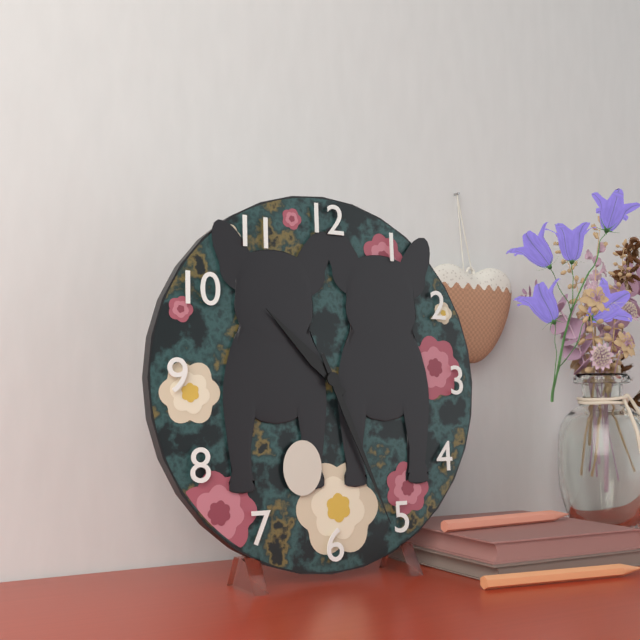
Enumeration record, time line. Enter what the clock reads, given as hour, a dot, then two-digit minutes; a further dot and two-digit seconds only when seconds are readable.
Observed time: 10.26
